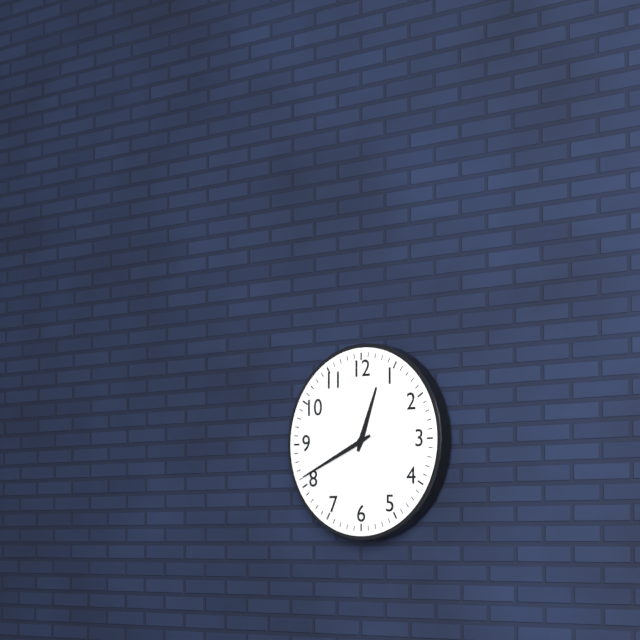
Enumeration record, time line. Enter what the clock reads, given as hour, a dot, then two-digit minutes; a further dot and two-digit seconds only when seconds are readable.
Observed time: 12.41
